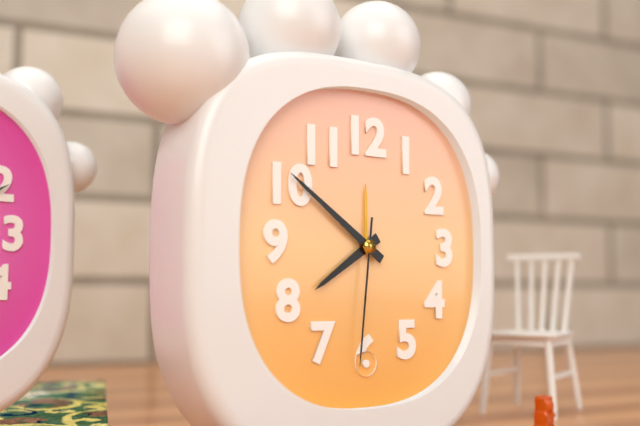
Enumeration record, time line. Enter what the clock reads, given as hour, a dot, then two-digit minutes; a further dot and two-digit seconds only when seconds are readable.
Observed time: 7.51.31
